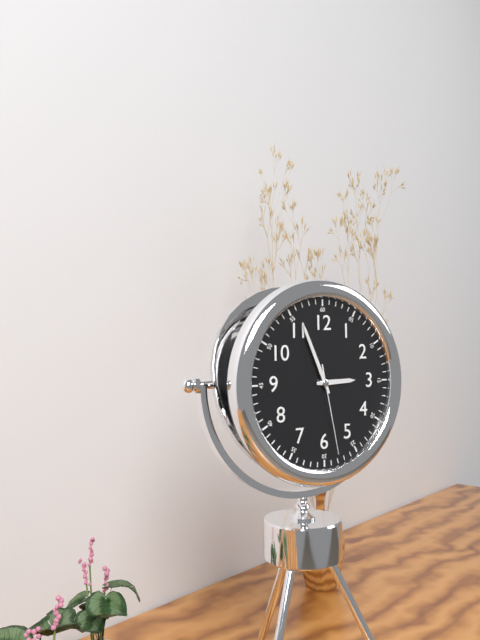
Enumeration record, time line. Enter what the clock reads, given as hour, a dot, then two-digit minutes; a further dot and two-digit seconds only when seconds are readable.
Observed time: 2.56.28
